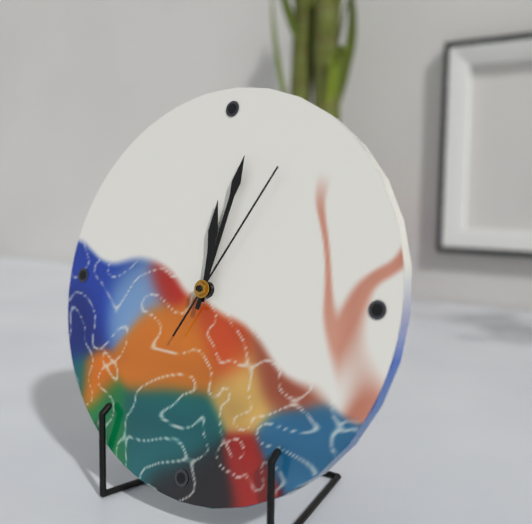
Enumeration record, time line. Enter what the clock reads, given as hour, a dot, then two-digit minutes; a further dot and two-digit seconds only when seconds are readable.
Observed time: 12.02.05
